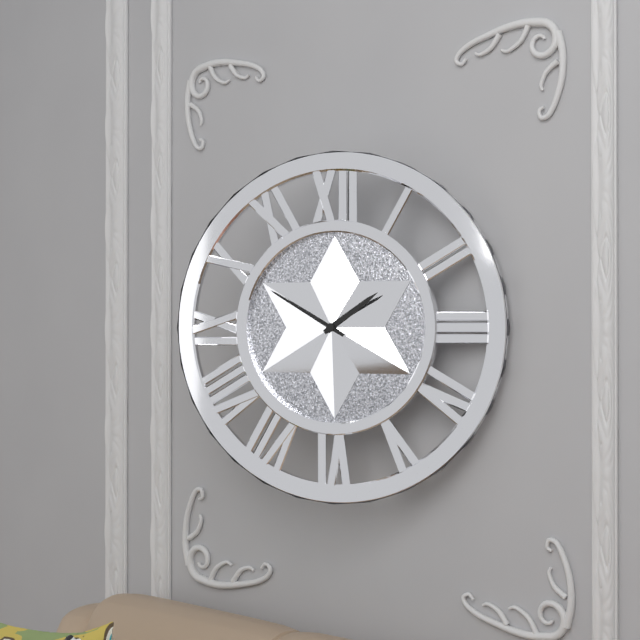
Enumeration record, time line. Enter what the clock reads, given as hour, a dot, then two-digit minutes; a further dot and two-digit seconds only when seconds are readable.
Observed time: 1.50
